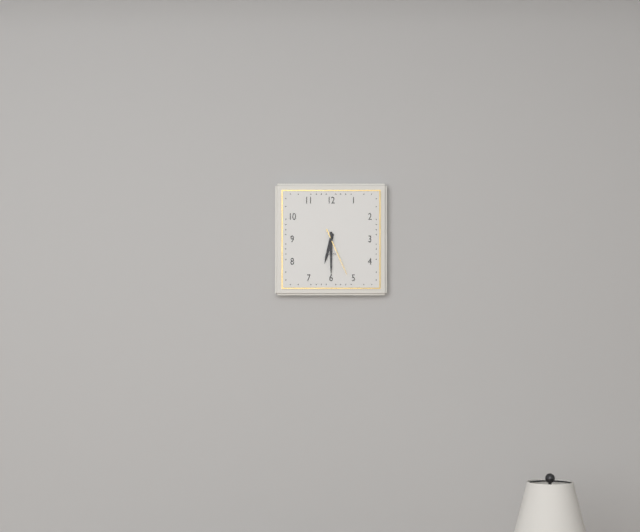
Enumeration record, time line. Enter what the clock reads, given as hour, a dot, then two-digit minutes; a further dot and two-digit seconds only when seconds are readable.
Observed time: 6.30
